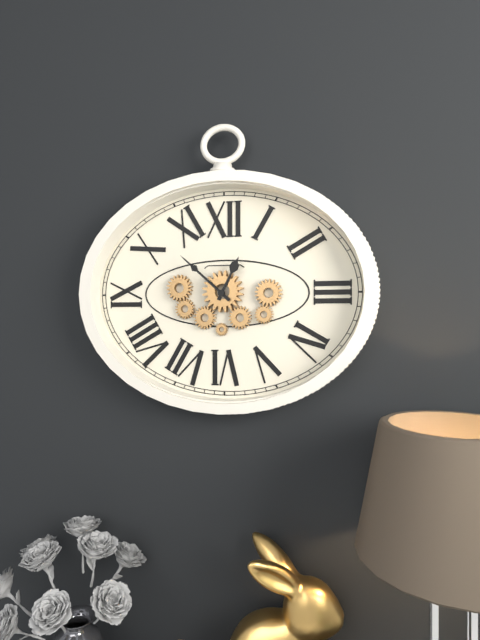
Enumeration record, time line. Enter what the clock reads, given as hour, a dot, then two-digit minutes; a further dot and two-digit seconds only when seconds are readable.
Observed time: 12.52
